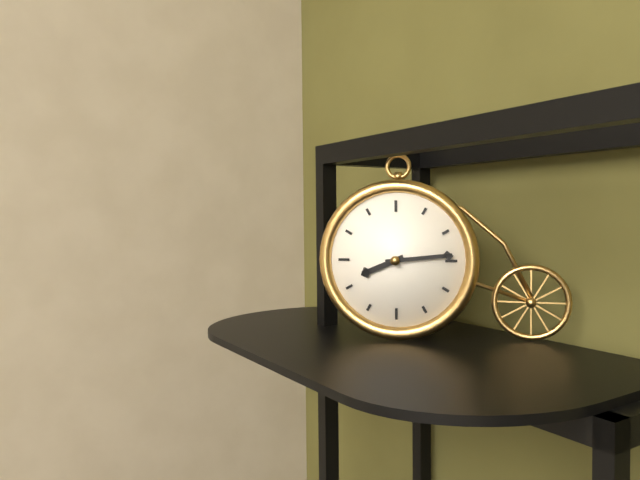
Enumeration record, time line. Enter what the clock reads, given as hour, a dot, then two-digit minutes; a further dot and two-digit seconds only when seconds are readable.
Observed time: 8.14
